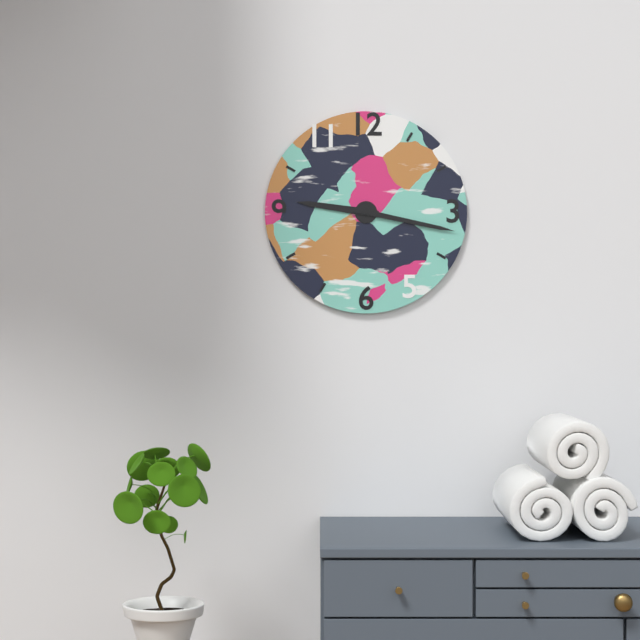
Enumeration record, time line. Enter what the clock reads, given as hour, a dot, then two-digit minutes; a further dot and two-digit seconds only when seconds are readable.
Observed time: 9.17
